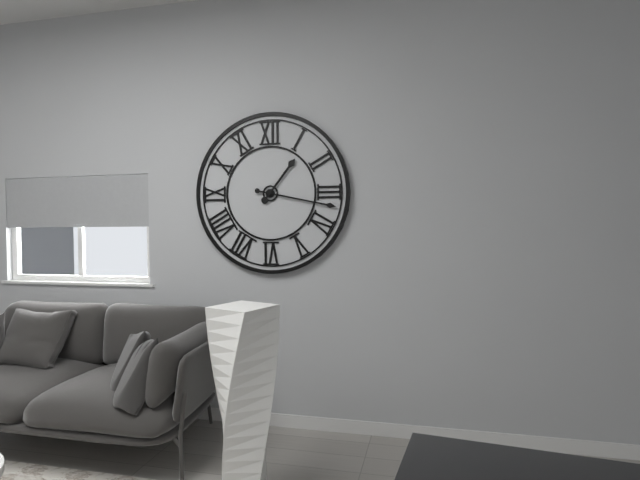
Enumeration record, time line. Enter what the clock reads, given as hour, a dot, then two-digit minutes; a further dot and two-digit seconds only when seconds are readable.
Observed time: 1.17
